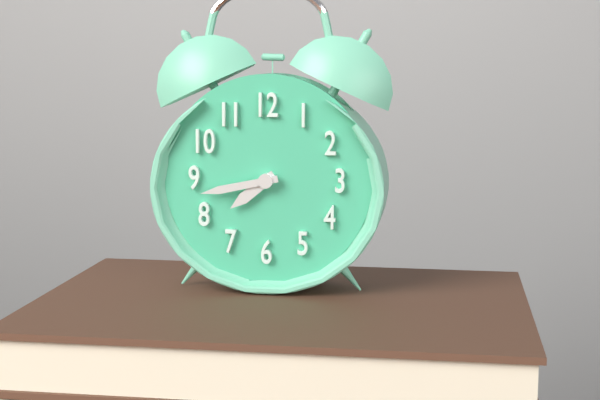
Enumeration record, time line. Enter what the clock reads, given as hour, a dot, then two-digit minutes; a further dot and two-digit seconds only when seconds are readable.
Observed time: 7.43
